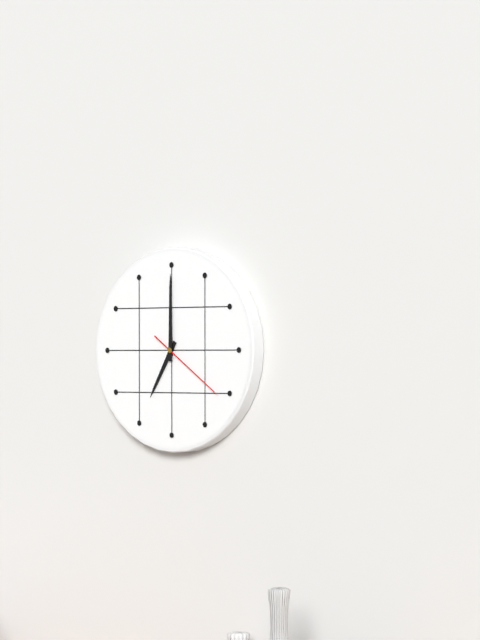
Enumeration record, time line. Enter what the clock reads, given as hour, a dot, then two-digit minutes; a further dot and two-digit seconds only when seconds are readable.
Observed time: 7.00.21
